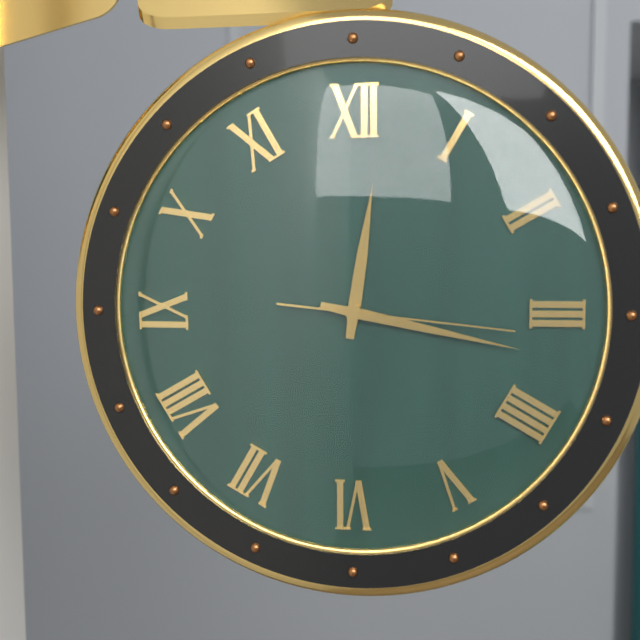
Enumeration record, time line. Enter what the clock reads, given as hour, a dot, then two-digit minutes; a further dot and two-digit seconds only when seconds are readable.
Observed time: 12.17.16
